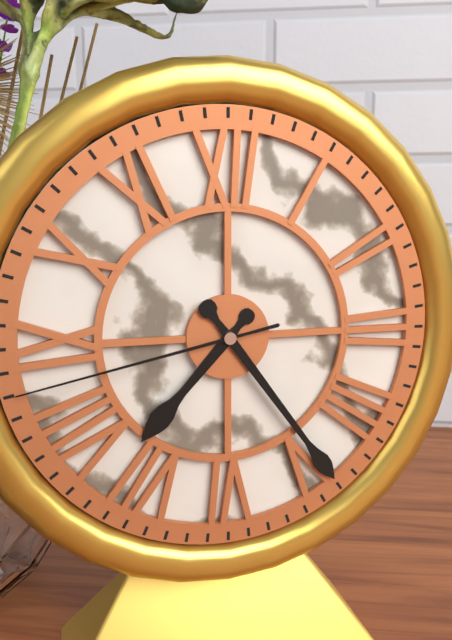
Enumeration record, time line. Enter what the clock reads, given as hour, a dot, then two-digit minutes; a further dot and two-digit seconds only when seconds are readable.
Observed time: 7.24.43
